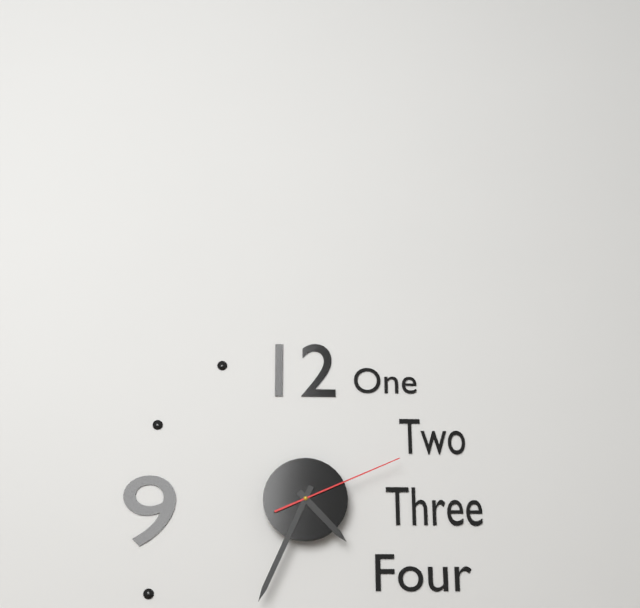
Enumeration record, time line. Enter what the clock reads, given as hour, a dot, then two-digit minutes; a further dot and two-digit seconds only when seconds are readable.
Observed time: 4.34.11
